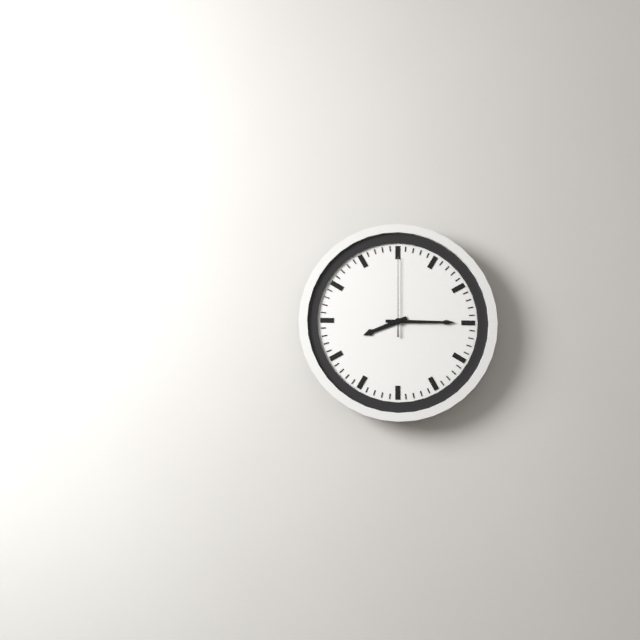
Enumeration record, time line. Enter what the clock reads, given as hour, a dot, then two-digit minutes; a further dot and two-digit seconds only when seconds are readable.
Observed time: 8.15.00
